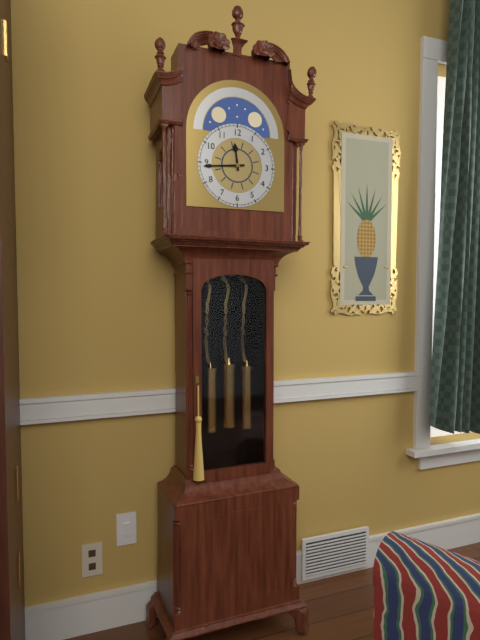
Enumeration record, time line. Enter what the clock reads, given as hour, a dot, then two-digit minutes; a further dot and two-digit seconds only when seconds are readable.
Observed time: 11.44
